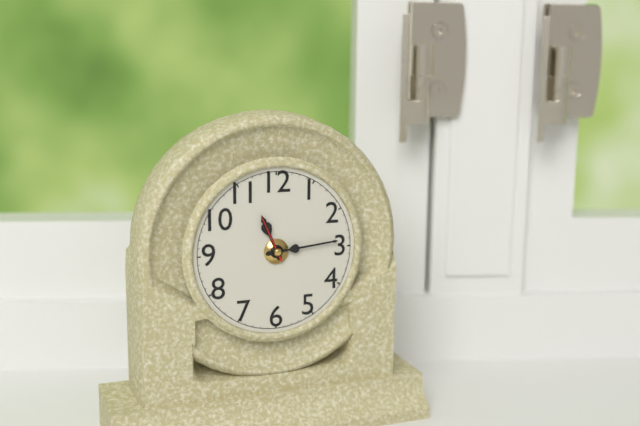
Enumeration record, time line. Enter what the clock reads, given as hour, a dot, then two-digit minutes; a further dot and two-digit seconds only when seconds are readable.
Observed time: 11.14.56
